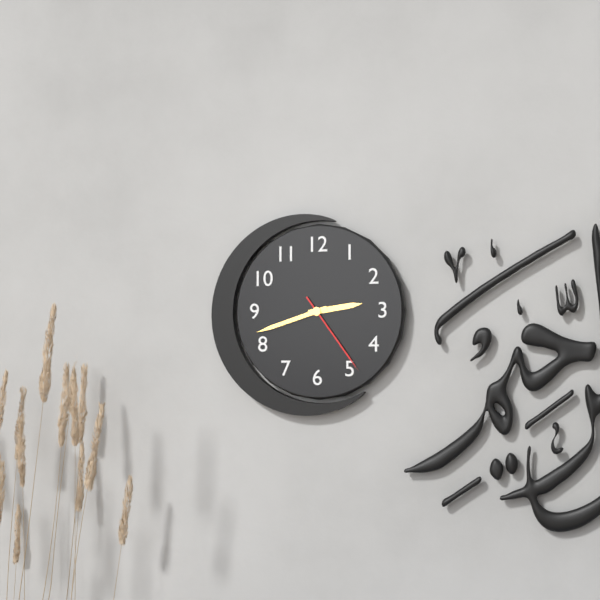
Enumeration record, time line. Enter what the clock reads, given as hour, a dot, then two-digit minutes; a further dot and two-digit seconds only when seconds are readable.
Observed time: 2.42.24
